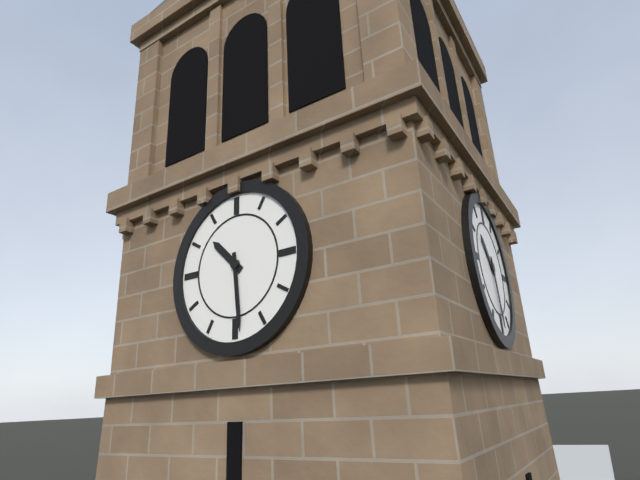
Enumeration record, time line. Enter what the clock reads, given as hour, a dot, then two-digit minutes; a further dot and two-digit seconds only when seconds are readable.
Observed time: 10.29
